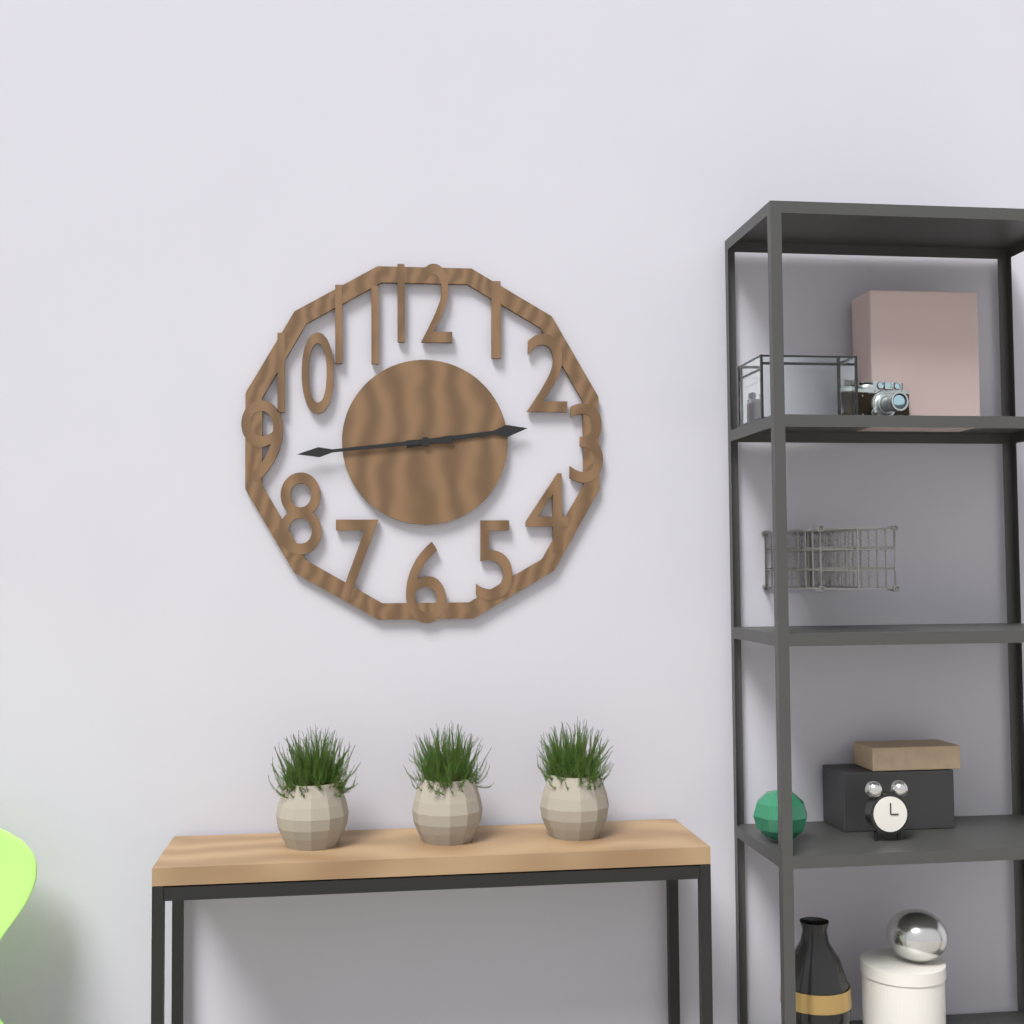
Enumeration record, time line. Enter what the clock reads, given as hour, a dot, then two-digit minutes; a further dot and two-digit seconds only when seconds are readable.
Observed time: 2.44
